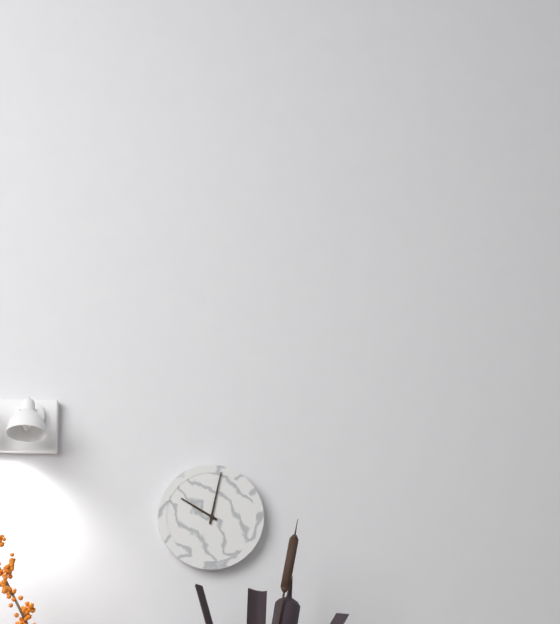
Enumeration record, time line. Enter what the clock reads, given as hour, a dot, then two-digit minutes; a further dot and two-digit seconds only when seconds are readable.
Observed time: 10.02
